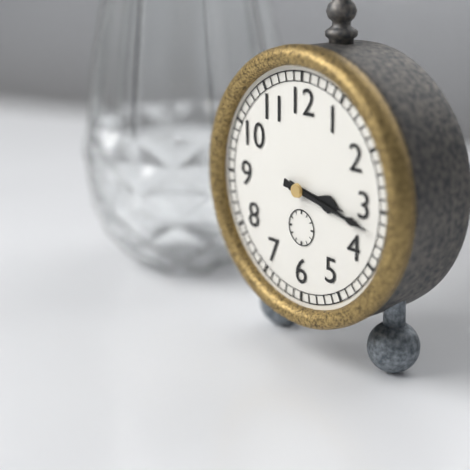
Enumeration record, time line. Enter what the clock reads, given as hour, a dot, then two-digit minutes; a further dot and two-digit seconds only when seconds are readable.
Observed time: 3.17
